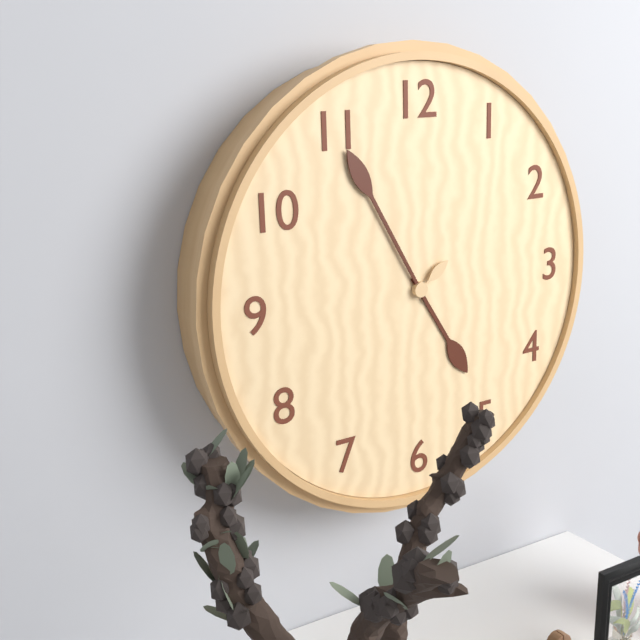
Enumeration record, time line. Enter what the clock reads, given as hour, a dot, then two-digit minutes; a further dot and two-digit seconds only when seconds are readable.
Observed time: 4.55.09
